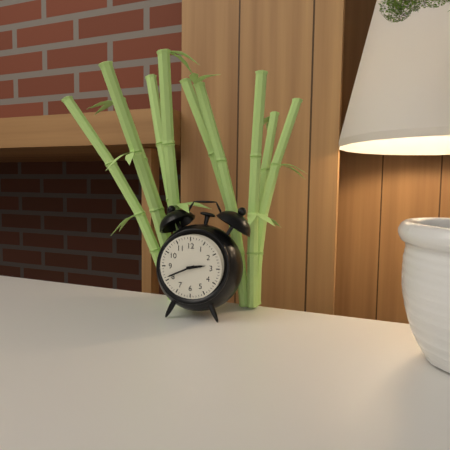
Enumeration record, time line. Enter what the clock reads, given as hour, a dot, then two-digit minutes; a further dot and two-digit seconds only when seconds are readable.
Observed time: 2.41
